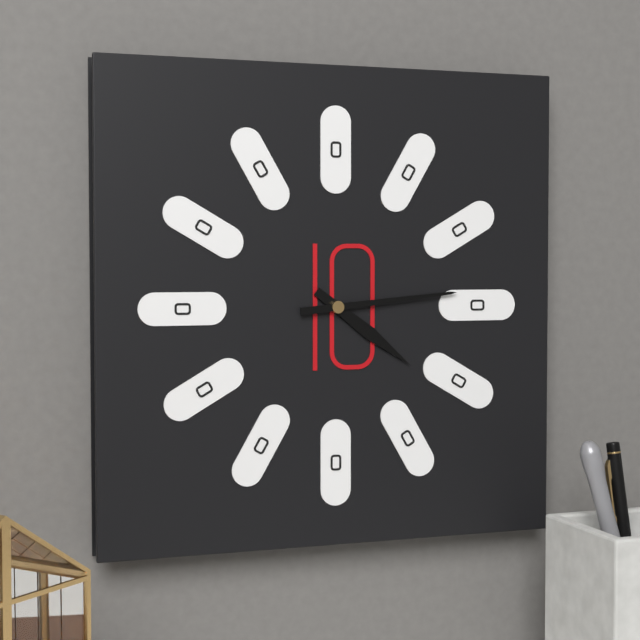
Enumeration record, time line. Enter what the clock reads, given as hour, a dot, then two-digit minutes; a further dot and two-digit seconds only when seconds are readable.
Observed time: 4.14
